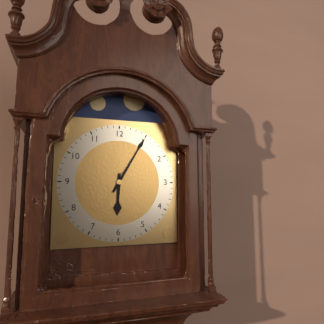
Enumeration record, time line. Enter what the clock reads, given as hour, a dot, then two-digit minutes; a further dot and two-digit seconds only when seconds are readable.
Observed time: 6.05
